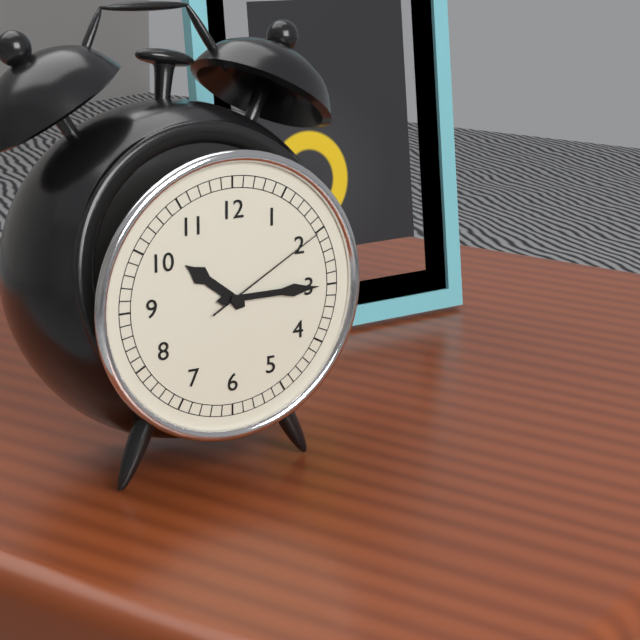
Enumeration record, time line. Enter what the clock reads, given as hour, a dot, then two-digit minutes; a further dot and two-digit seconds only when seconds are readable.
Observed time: 10.15.10
